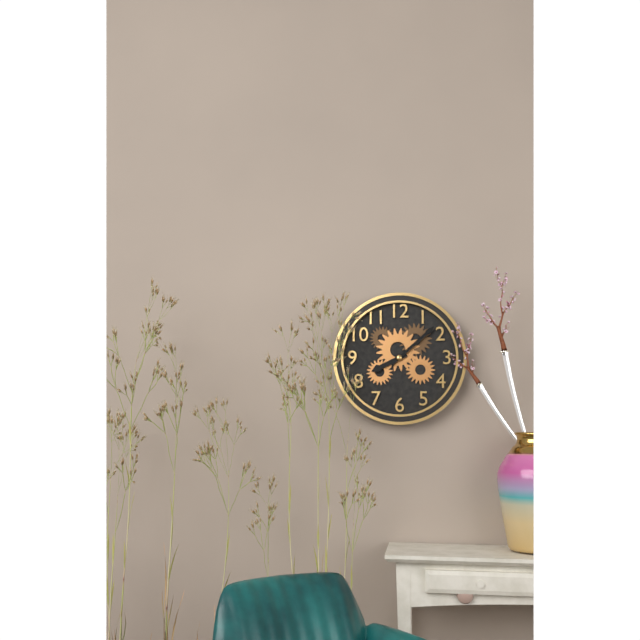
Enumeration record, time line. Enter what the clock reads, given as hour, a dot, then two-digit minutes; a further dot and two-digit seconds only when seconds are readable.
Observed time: 8.08
